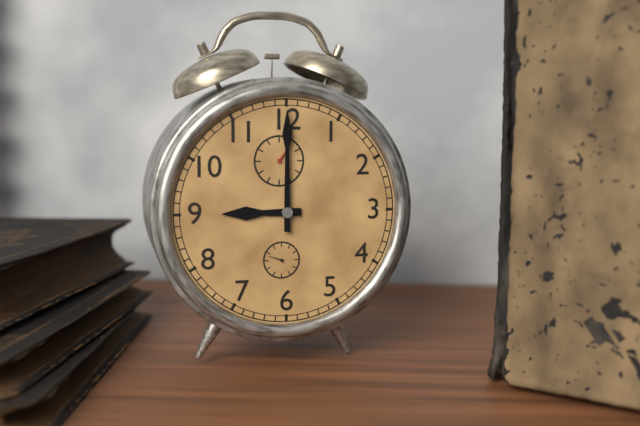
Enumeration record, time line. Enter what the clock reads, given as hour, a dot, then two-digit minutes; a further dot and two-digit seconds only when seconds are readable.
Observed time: 9.00
